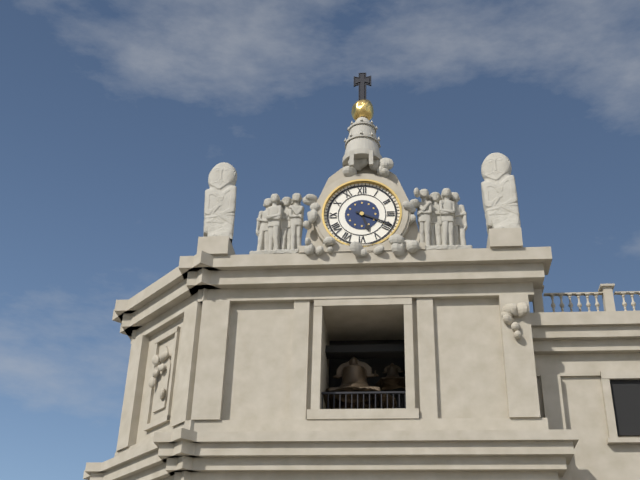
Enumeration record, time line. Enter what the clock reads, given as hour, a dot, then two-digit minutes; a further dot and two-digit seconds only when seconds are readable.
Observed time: 5.19
